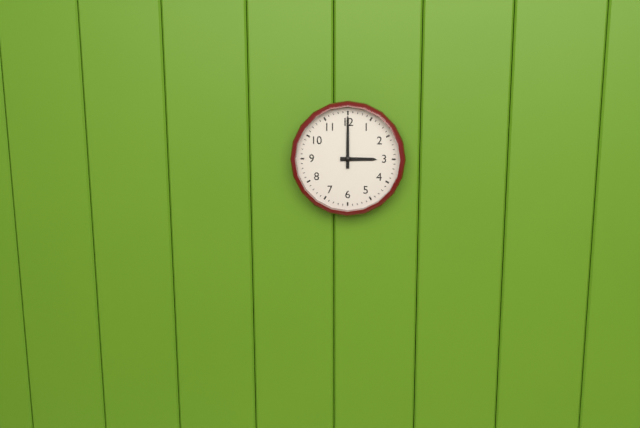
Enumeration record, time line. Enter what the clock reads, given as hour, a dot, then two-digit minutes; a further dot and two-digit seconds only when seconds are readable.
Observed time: 3.00
